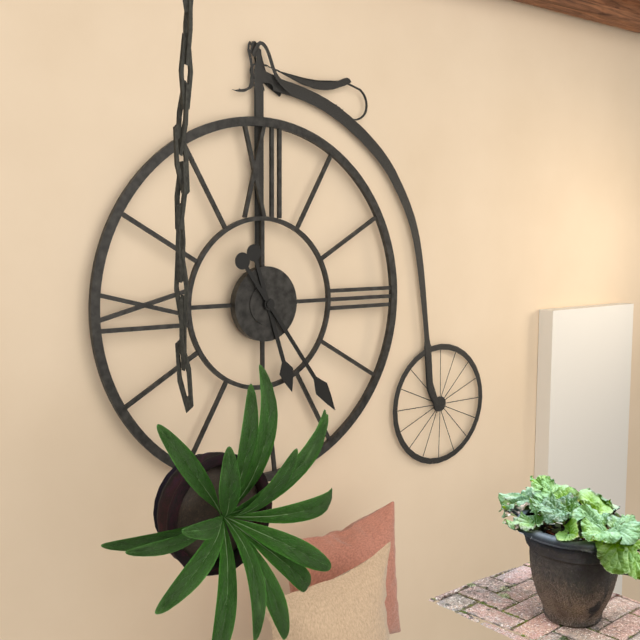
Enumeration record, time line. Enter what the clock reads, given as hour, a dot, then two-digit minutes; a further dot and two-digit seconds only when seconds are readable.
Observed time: 5.24
